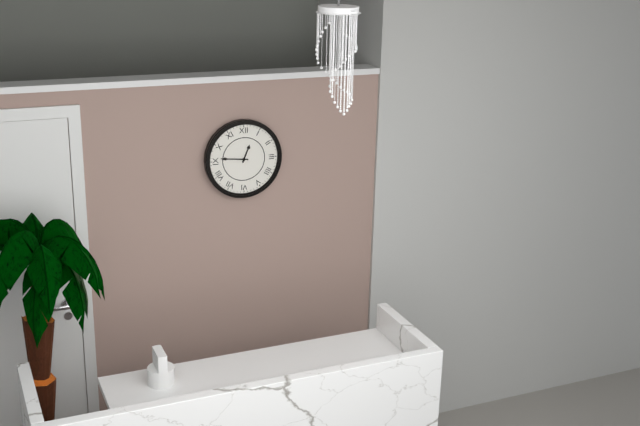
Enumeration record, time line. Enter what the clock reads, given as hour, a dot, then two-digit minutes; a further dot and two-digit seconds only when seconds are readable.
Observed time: 12.46
